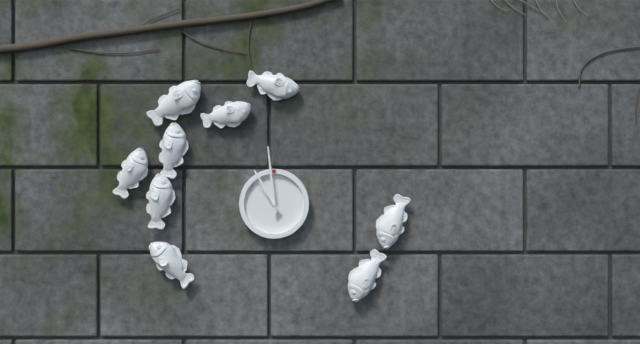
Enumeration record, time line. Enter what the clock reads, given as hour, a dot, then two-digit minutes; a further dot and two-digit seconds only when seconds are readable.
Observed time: 10.59
